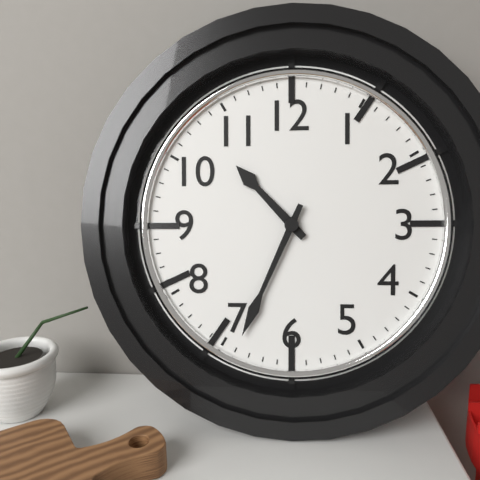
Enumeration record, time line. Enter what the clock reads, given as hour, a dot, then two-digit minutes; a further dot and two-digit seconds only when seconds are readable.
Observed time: 10.34
